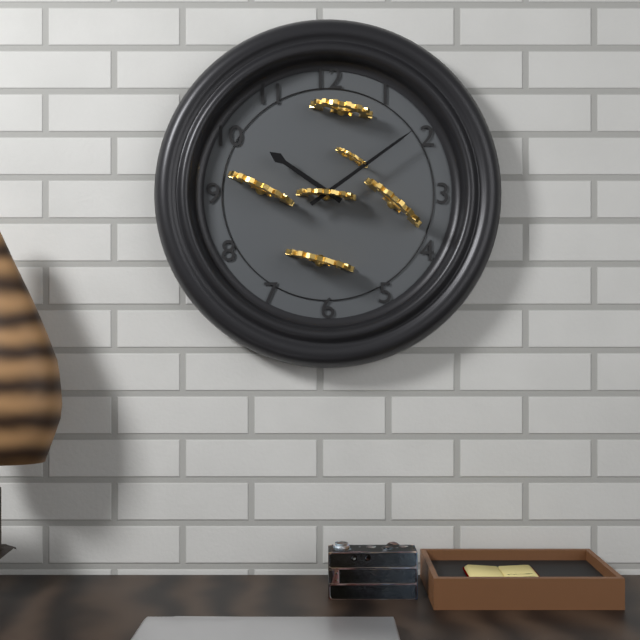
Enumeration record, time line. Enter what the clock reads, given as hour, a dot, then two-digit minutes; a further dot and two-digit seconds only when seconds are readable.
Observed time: 10.09
